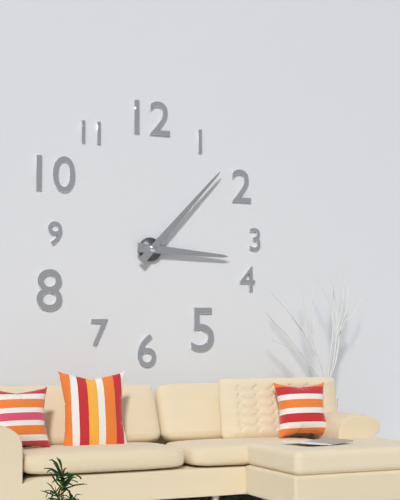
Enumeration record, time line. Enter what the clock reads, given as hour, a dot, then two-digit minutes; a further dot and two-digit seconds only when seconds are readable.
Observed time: 3.07
